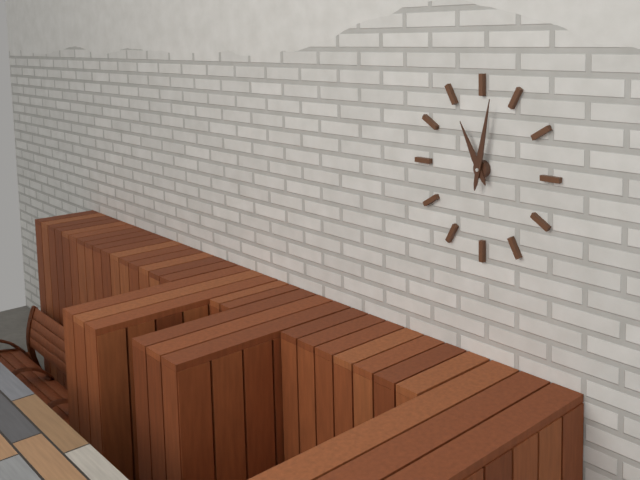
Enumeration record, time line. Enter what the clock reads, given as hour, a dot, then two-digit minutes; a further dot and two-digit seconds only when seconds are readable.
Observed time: 11.02
